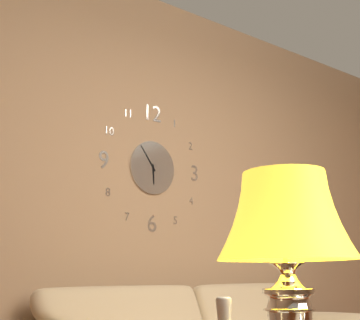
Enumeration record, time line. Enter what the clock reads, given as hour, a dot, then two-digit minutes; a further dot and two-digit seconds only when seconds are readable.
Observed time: 5.54
